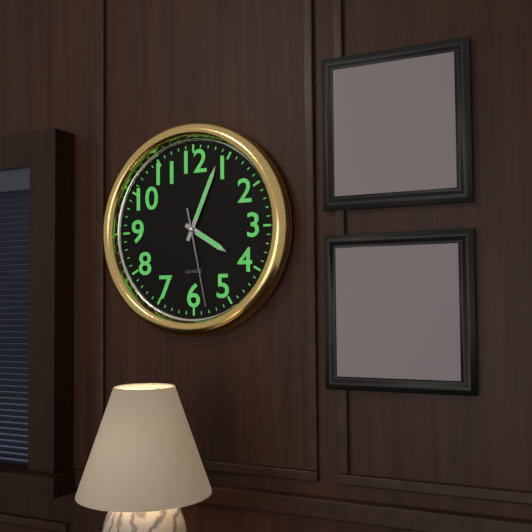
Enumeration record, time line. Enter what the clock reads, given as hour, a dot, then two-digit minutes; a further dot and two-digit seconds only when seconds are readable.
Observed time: 4.04.28
